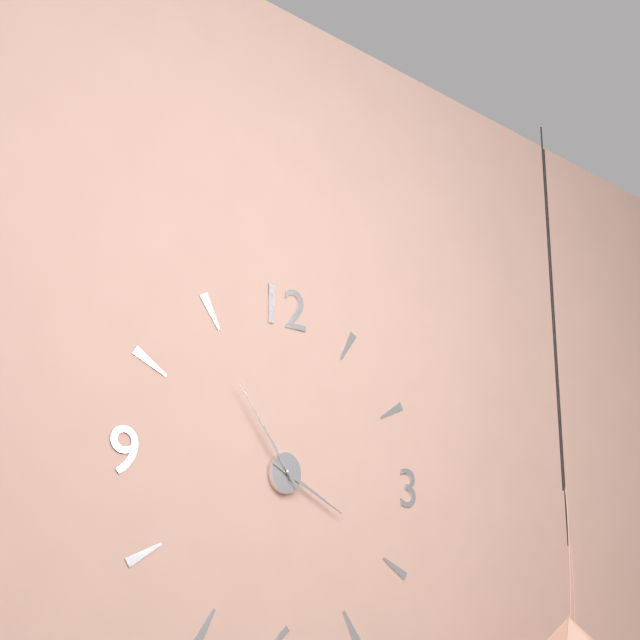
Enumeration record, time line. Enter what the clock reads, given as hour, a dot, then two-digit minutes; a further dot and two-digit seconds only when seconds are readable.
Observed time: 3.54
